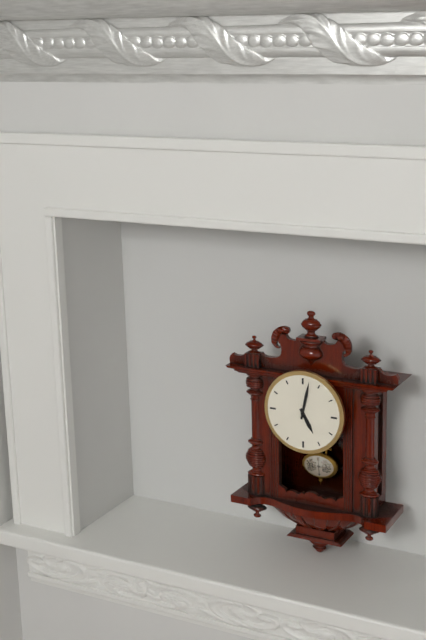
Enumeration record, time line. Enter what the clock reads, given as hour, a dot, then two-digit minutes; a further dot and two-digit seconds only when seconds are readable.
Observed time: 5.02
